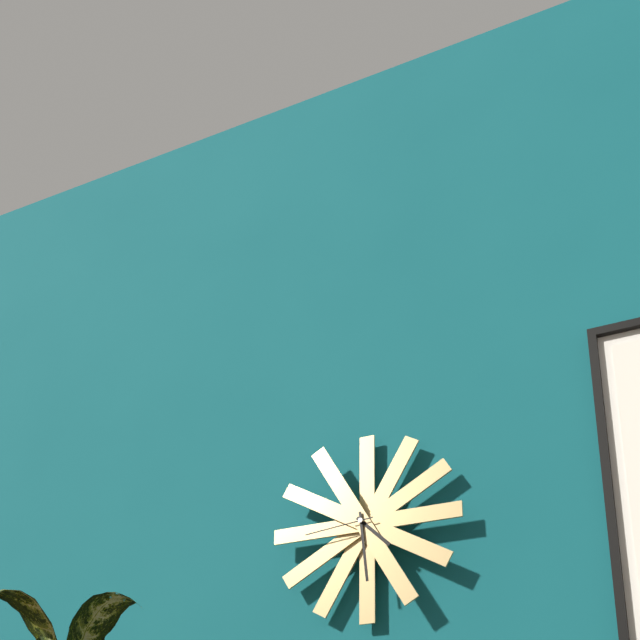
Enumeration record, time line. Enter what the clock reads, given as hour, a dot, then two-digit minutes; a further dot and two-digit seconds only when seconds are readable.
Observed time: 4.29.44
